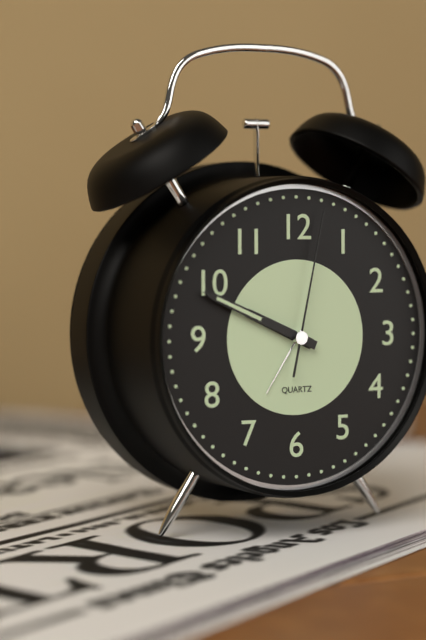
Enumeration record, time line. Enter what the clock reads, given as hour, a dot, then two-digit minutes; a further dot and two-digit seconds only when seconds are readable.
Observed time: 9.49.02
